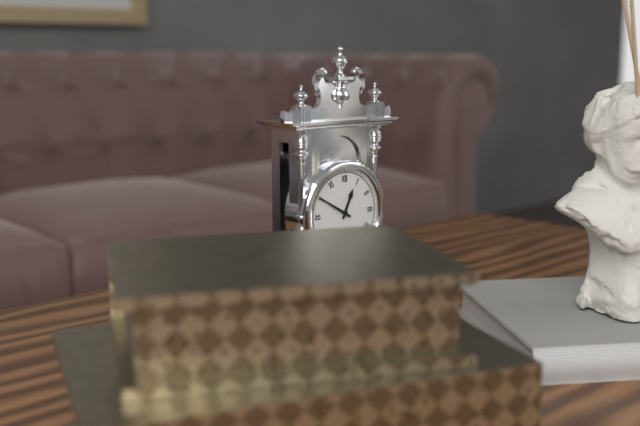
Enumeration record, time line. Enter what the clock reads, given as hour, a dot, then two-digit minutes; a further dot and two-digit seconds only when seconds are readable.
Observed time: 12.50
